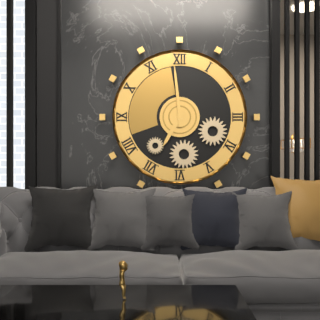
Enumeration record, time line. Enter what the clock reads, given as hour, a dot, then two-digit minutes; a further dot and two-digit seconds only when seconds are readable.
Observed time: 6.59
